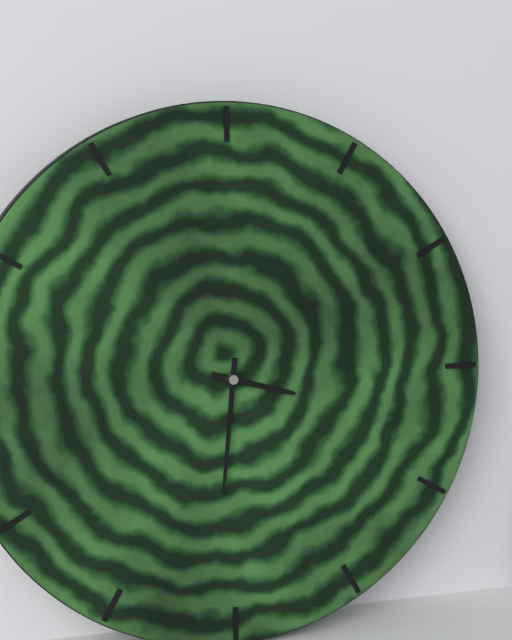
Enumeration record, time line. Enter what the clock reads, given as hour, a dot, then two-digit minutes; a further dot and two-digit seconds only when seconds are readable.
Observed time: 3.31
